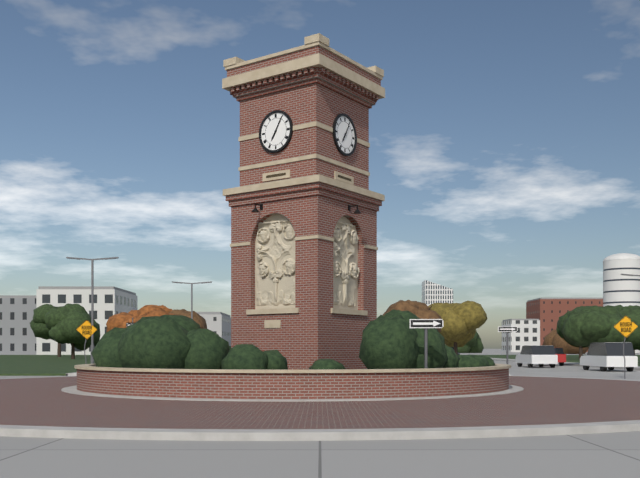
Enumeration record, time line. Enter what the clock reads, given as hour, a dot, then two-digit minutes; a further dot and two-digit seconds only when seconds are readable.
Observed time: 7.05
